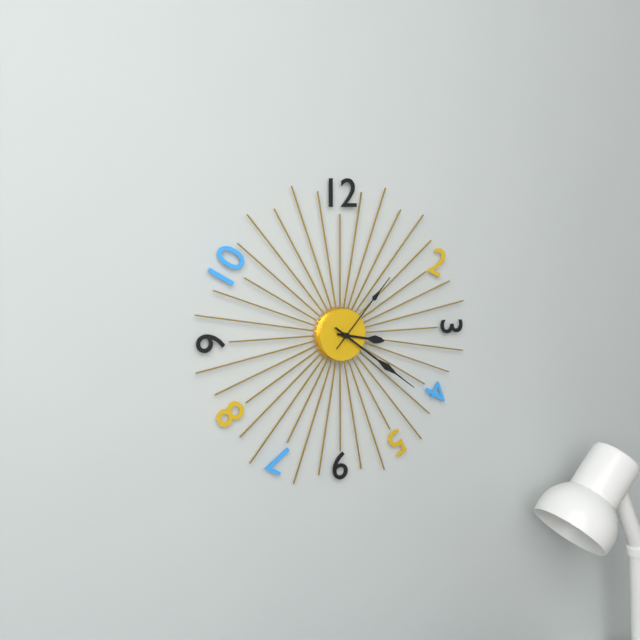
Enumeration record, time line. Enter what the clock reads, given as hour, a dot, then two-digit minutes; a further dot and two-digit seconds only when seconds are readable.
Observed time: 3.21.07
